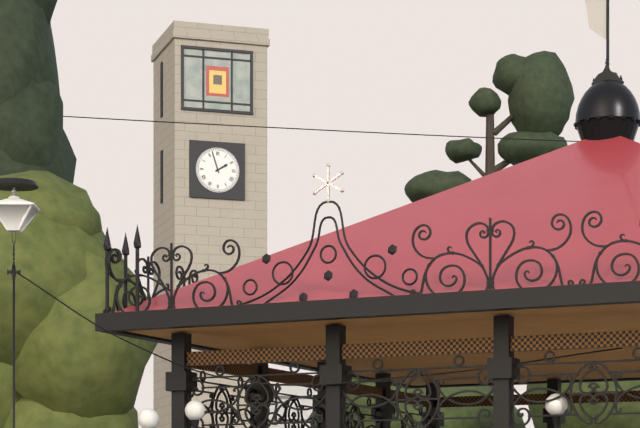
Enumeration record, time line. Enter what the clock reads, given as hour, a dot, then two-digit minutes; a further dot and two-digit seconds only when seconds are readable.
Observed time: 1.57
